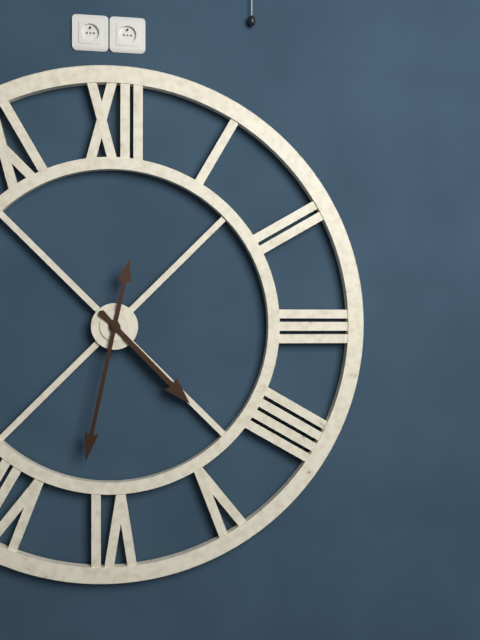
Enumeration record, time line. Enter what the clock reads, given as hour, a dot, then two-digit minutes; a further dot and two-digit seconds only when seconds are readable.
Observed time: 4.32
